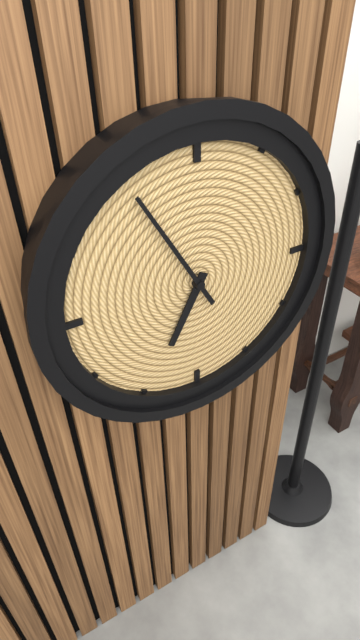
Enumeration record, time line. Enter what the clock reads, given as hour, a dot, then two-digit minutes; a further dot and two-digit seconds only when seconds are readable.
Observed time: 6.55
